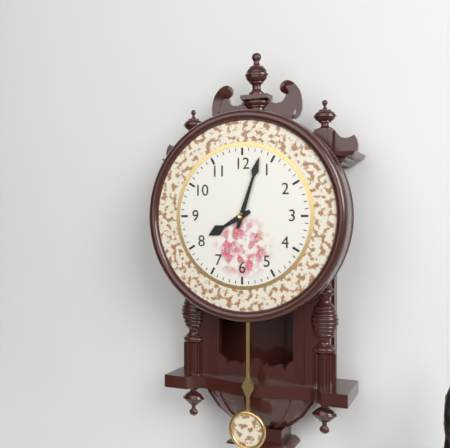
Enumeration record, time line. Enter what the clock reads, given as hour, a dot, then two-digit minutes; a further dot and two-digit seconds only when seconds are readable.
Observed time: 8.03
